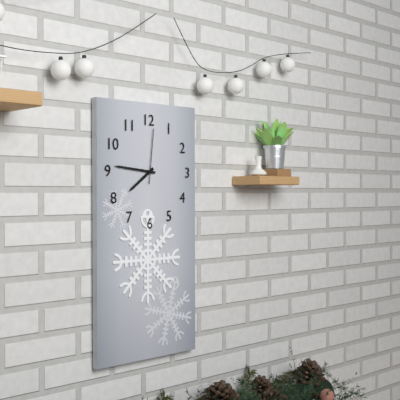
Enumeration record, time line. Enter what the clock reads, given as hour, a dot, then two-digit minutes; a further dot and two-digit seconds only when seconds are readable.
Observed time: 7.46.01
